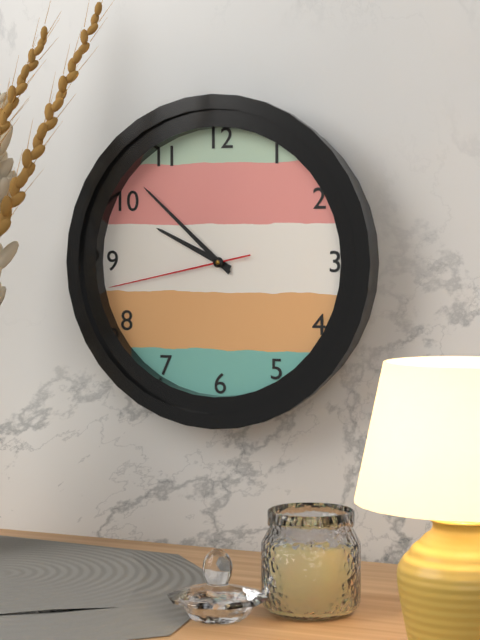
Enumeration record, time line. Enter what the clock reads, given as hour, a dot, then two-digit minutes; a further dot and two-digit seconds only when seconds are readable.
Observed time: 9.52.43
